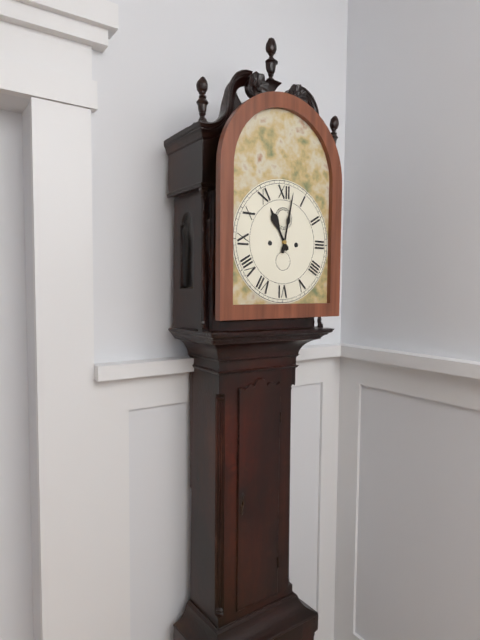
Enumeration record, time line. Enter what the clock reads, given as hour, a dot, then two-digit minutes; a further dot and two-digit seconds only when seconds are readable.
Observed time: 11.02
